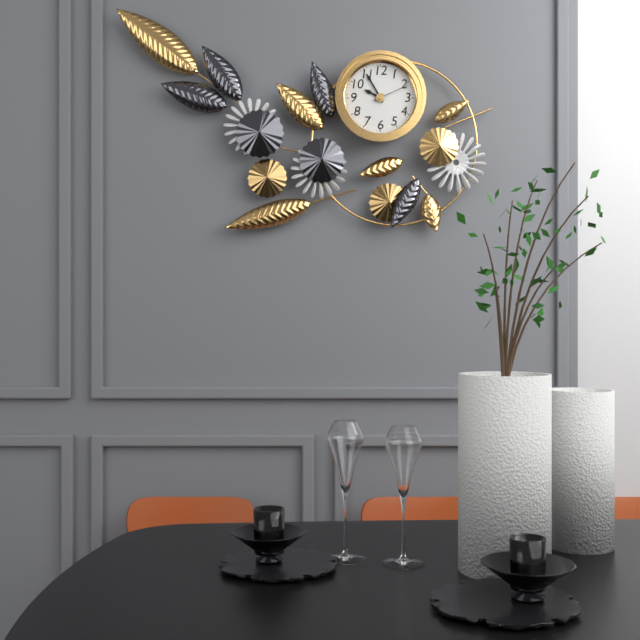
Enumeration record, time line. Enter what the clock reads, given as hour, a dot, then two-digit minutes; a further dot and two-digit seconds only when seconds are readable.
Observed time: 9.55
